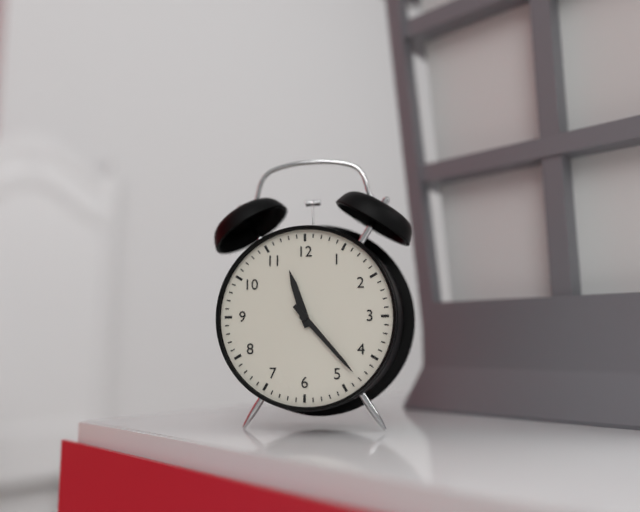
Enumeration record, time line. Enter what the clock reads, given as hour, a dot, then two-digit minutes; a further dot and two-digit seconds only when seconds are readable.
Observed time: 11.23
